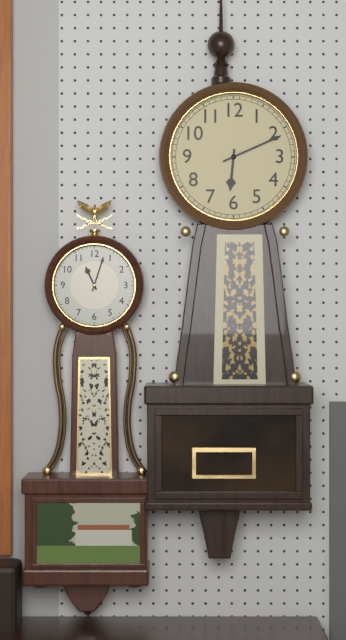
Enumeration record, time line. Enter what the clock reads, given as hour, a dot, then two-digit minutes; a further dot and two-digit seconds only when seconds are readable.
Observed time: 6.11
